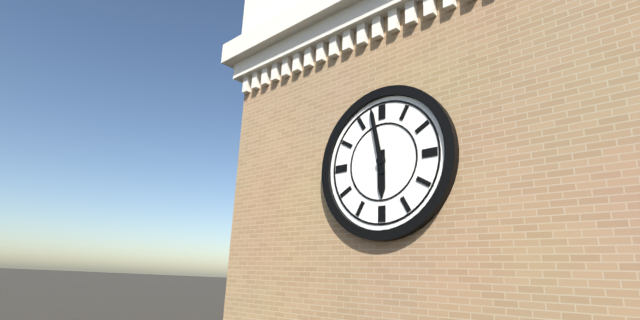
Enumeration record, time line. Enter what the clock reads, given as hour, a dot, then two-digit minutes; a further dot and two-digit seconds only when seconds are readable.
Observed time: 5.58
